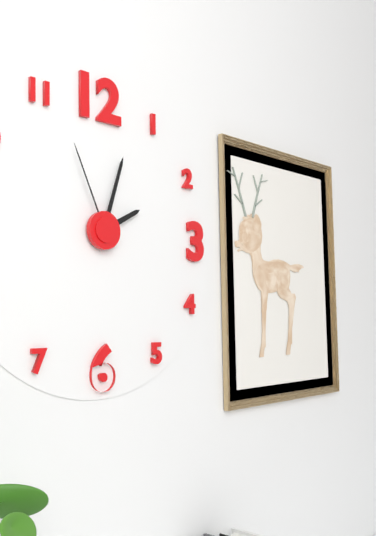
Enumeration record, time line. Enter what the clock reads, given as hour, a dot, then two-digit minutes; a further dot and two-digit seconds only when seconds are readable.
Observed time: 2.03.56
